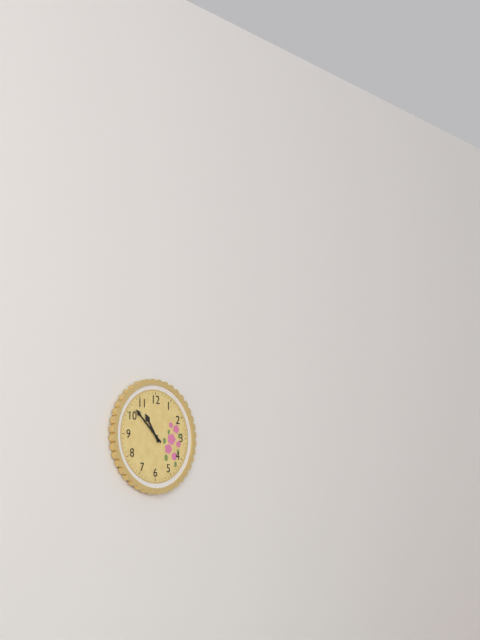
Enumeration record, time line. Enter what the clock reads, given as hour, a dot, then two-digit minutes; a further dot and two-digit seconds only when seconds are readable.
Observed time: 10.52
